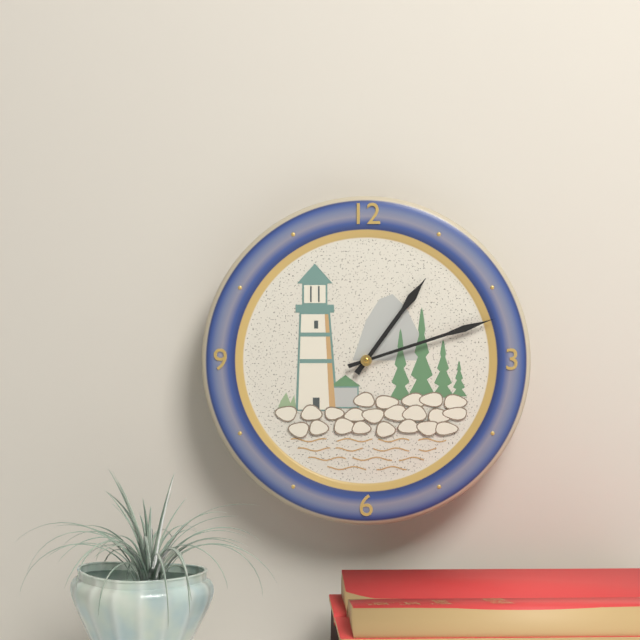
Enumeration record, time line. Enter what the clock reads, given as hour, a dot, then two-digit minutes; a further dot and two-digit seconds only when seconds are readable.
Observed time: 1.12
